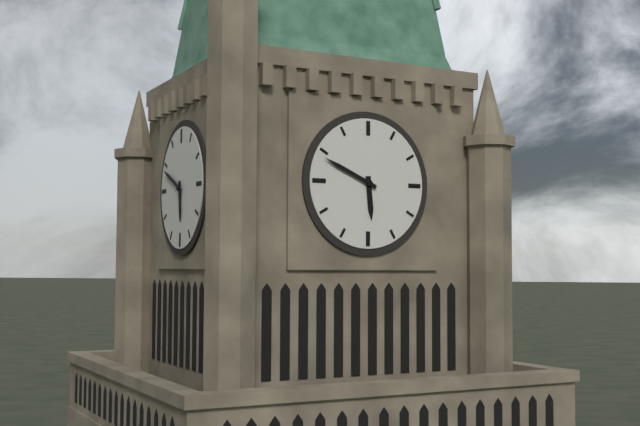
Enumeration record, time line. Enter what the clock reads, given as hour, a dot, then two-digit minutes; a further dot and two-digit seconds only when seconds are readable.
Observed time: 5.49
